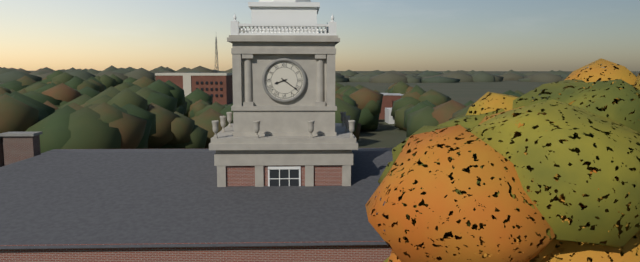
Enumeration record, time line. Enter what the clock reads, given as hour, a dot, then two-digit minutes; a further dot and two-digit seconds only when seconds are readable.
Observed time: 8.21
